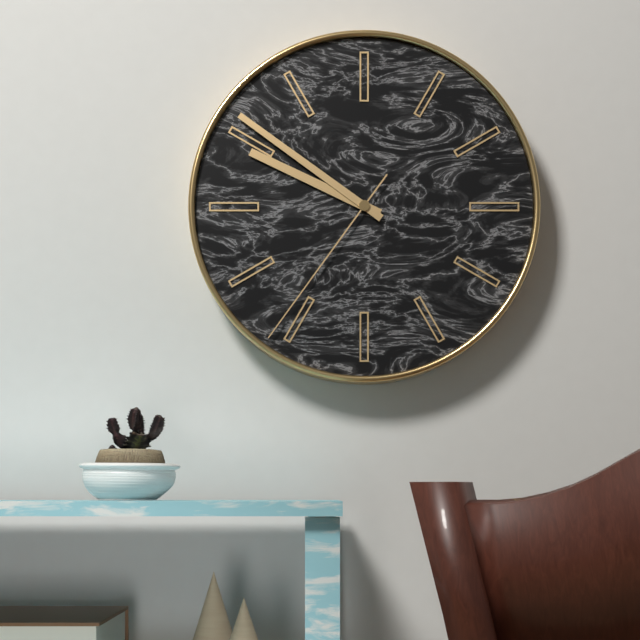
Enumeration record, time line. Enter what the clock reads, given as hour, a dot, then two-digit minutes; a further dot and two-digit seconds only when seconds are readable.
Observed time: 9.51.36
